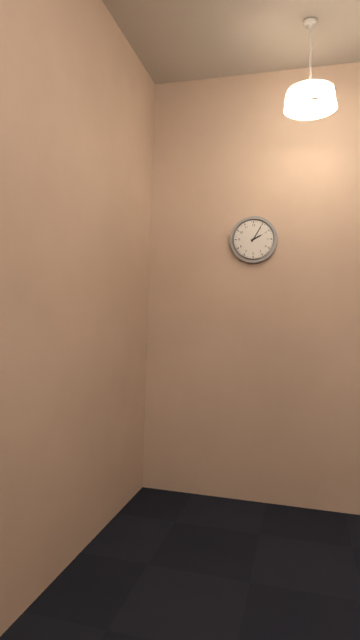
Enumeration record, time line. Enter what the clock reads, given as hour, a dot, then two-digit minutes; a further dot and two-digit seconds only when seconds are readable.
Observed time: 2.05
